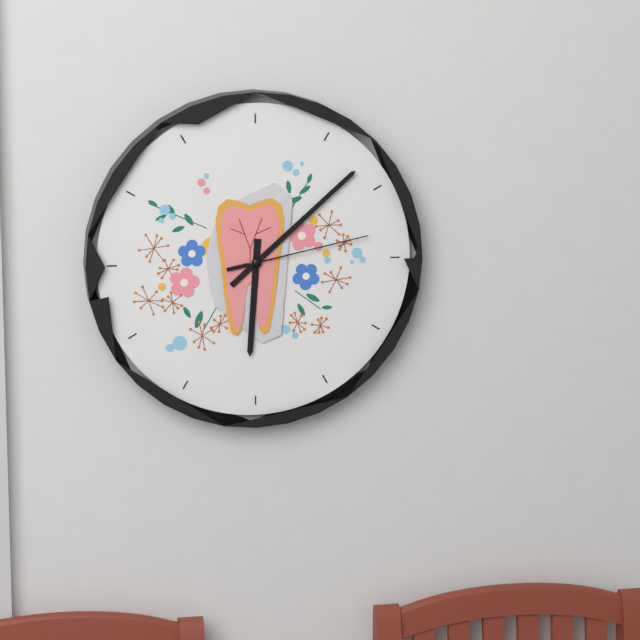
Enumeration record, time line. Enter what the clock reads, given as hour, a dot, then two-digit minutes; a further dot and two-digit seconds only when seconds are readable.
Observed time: 6.08.13
